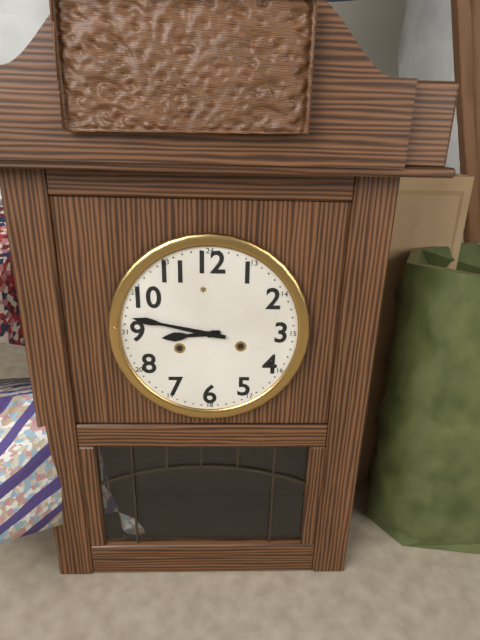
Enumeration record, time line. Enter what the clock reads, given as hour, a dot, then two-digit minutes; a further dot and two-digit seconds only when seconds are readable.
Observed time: 8.47
